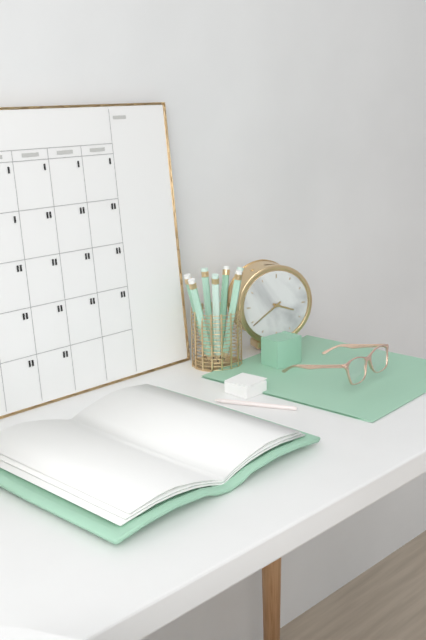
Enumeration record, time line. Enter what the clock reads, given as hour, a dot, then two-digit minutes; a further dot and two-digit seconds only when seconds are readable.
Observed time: 3.39
